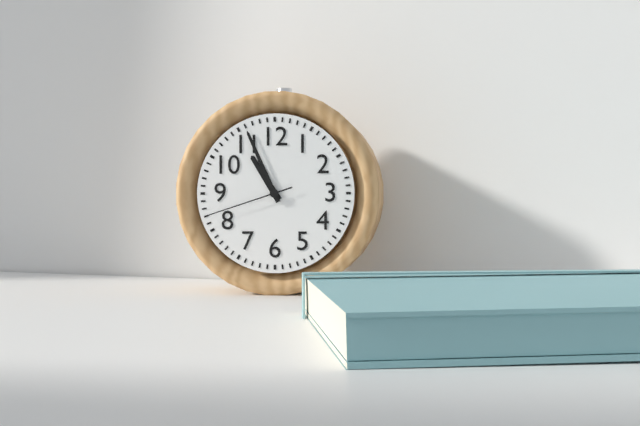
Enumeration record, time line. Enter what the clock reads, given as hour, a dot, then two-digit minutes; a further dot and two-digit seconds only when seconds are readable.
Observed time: 10.56.42
